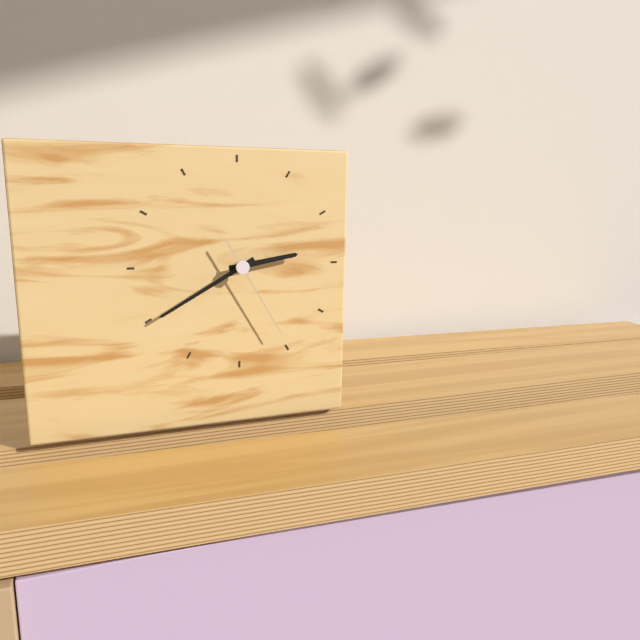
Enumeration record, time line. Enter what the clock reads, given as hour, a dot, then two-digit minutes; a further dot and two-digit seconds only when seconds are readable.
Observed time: 2.40.25
